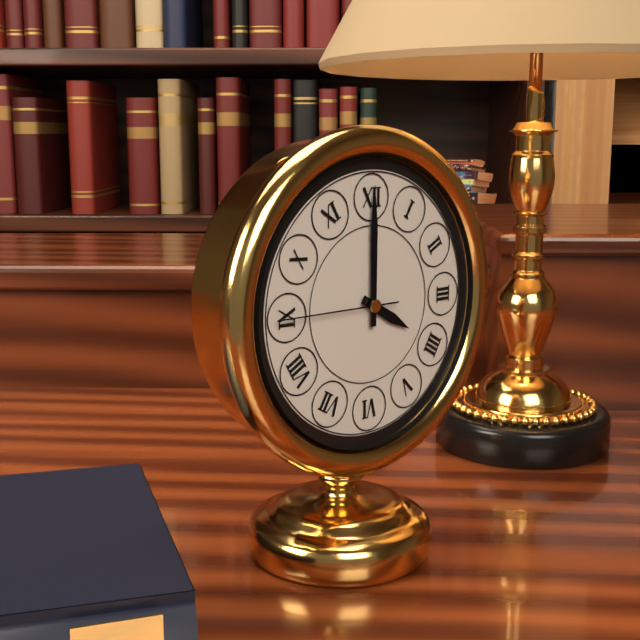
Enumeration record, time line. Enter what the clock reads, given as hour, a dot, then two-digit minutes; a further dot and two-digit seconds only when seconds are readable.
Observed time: 4.00.45
